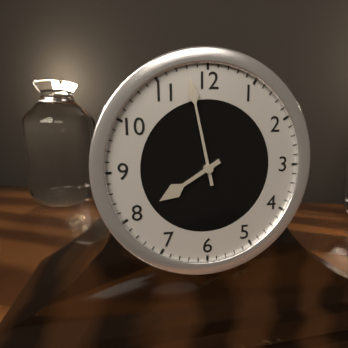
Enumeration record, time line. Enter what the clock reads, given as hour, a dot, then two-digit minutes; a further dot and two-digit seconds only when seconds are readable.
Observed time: 7.58
